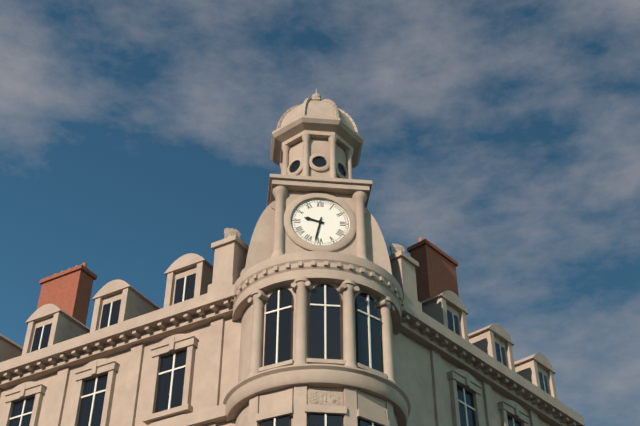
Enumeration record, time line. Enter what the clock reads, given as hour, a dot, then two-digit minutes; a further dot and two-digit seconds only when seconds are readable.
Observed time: 9.32
